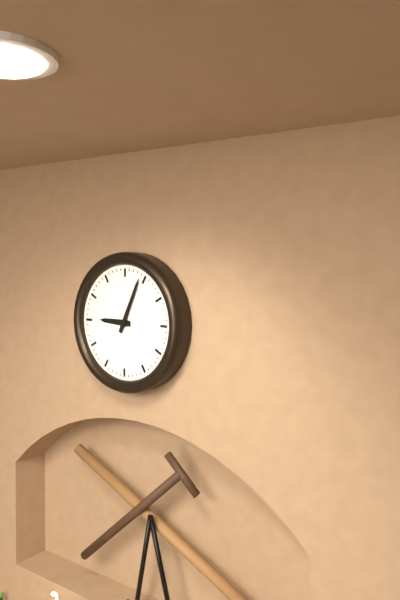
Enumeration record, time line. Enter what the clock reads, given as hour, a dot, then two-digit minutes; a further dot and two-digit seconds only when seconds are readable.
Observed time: 9.04
